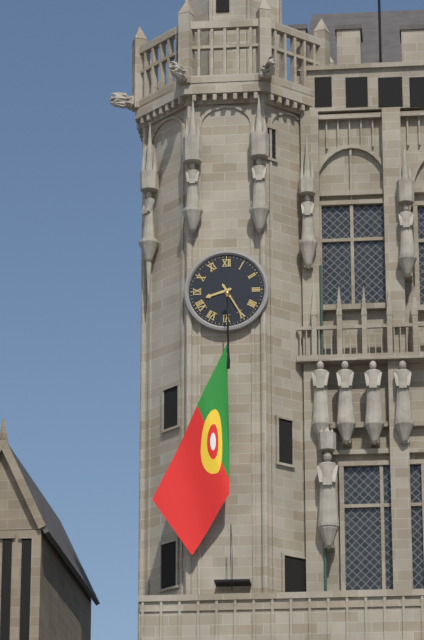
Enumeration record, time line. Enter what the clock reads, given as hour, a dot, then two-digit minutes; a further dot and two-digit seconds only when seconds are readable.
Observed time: 8.25
